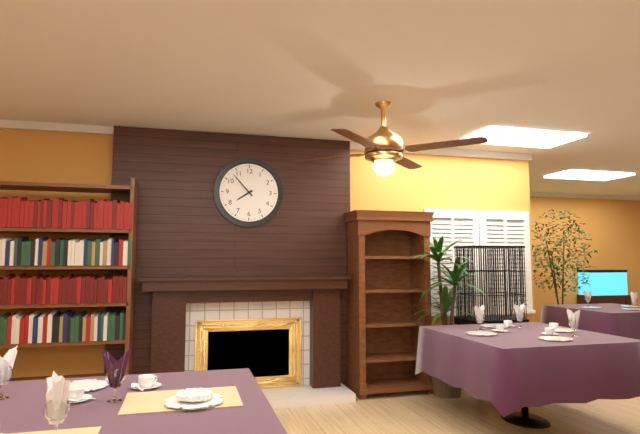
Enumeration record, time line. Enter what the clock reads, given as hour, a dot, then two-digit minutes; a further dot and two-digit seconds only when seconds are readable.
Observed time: 7.53
